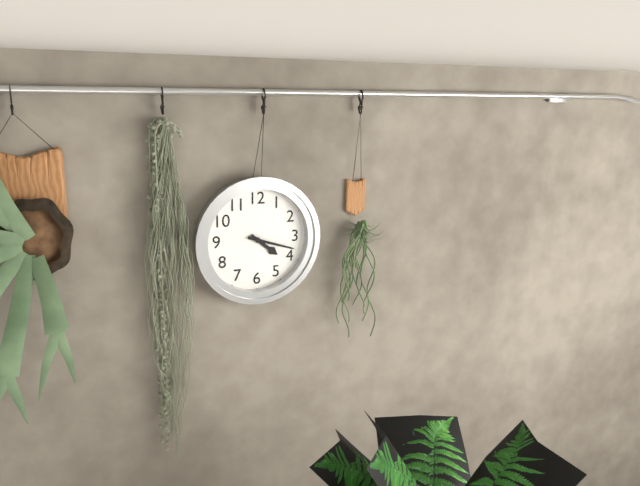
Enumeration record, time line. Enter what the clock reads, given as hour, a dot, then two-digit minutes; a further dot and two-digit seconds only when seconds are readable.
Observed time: 4.18
